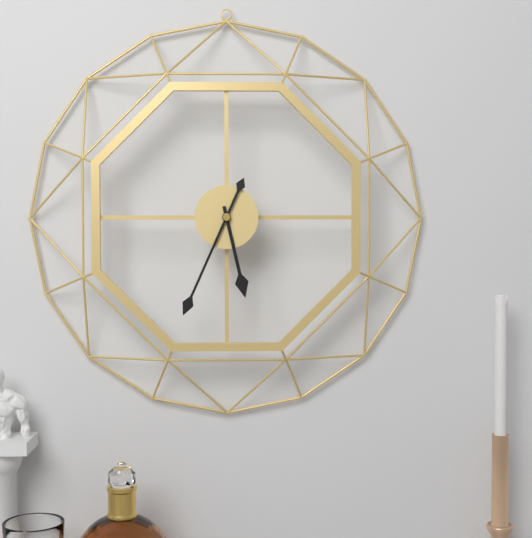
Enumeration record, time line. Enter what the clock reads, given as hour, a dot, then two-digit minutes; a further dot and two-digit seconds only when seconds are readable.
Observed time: 5.34
